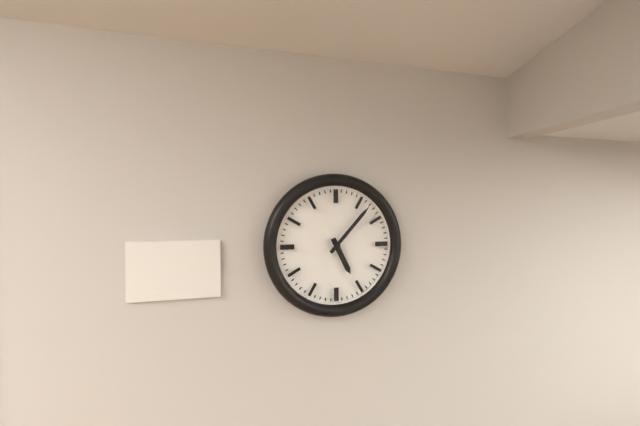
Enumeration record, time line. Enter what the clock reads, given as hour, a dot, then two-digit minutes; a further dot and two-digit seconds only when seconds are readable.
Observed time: 5.07
